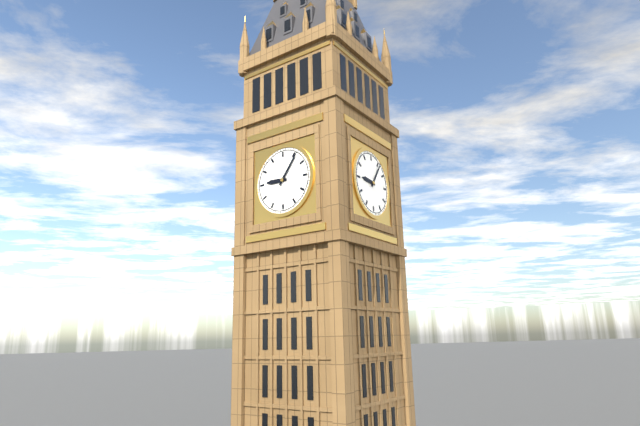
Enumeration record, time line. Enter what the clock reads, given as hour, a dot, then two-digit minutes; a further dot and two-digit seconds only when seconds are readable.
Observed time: 9.06
